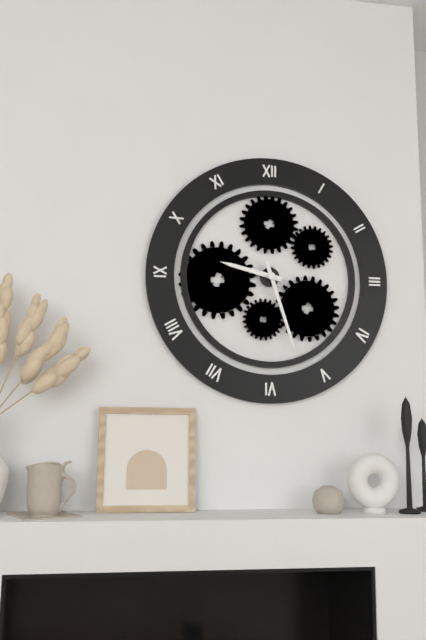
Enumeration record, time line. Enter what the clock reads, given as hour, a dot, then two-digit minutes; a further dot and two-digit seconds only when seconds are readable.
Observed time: 9.27
